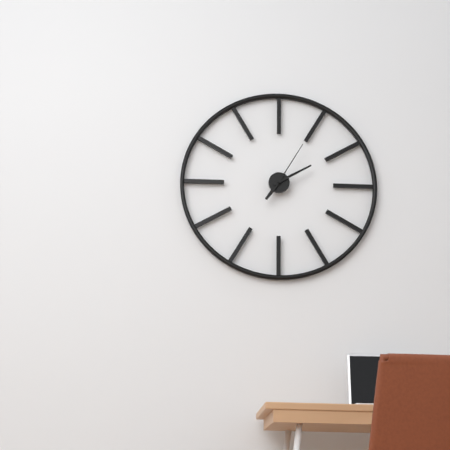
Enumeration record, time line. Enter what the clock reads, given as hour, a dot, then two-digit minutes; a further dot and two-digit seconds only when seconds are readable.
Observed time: 7.10.05
